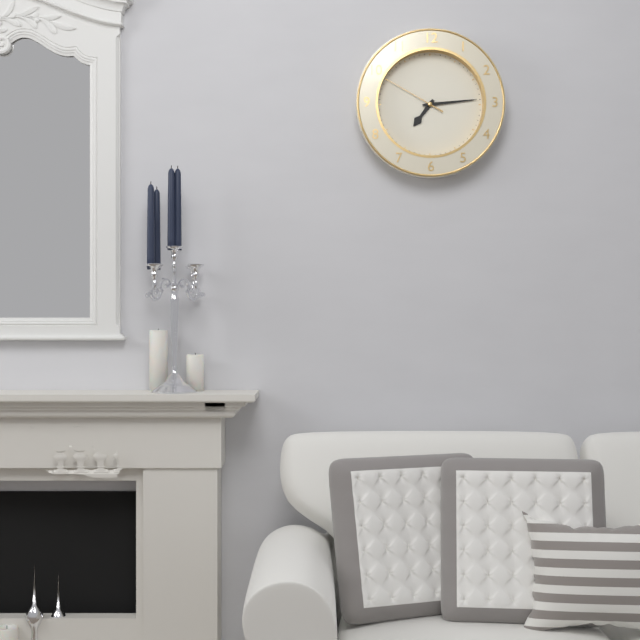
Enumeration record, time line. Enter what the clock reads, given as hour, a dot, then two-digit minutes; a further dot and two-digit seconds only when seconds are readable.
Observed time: 7.14.50
